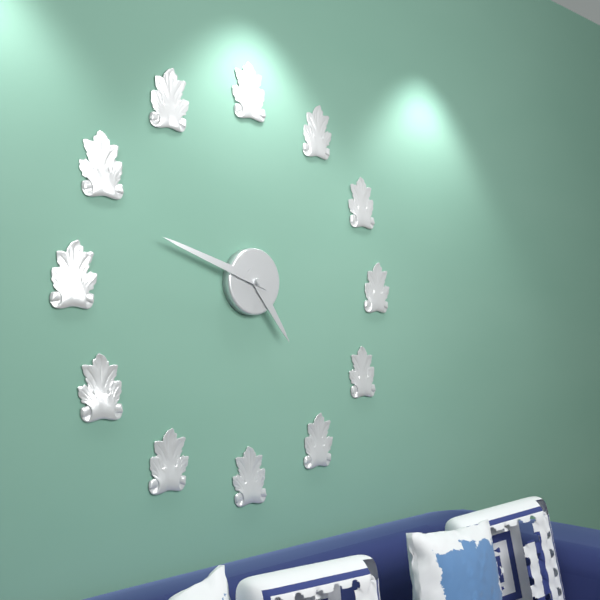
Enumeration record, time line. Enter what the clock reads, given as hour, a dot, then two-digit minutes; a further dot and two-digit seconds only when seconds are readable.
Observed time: 4.48
